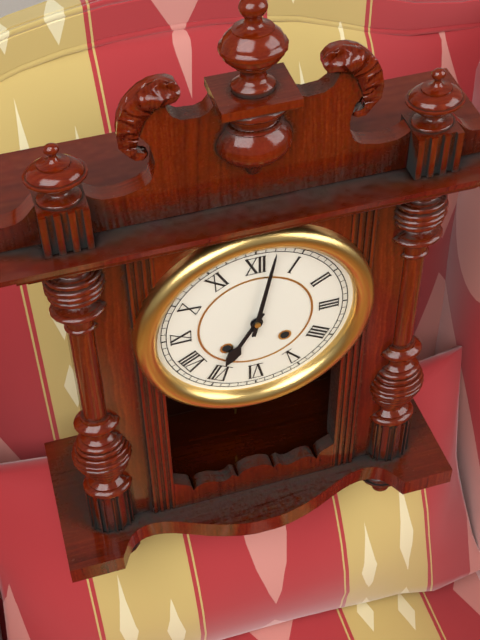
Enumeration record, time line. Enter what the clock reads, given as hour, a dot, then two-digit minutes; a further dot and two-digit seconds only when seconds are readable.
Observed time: 7.02
